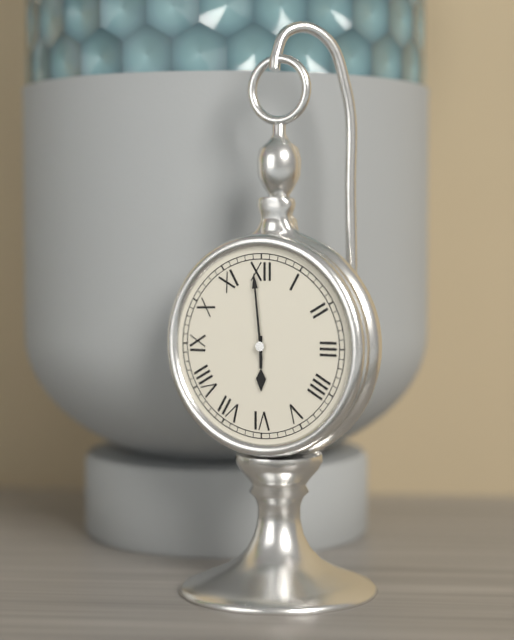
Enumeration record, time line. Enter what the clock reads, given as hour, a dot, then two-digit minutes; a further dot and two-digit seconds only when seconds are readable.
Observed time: 5.59
